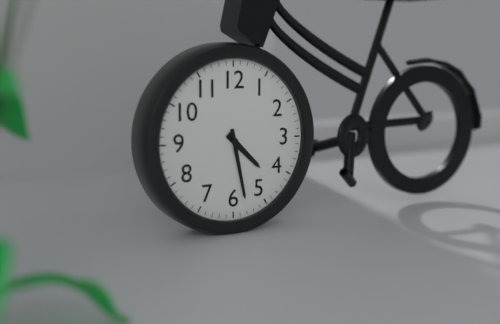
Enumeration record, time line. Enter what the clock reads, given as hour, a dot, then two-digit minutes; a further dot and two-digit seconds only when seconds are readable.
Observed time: 4.28
